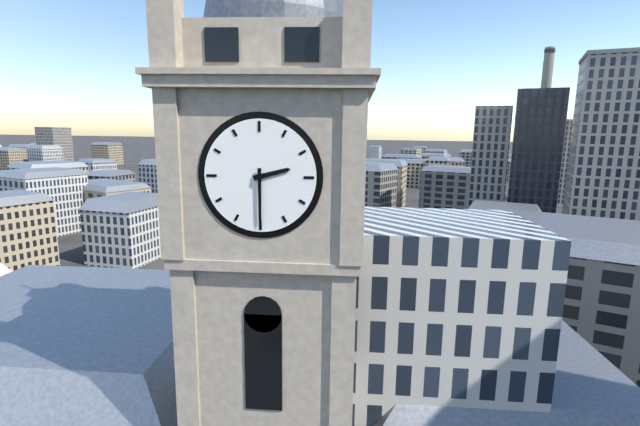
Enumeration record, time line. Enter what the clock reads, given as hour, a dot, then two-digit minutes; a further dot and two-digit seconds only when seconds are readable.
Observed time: 2.30
